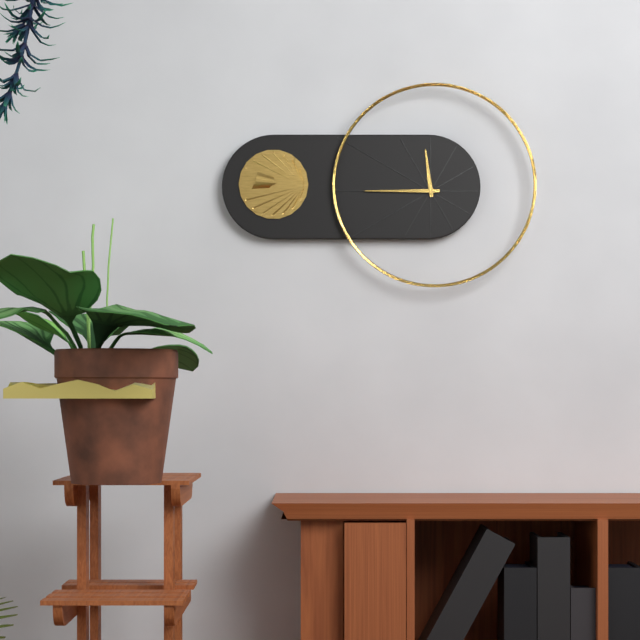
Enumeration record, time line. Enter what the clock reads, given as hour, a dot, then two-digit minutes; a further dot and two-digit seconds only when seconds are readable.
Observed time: 11.45
